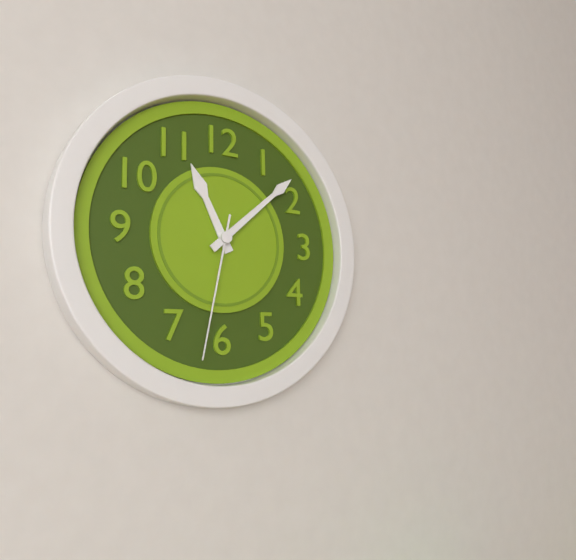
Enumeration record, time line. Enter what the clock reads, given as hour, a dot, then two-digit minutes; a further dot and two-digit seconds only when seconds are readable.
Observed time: 11.08.32
